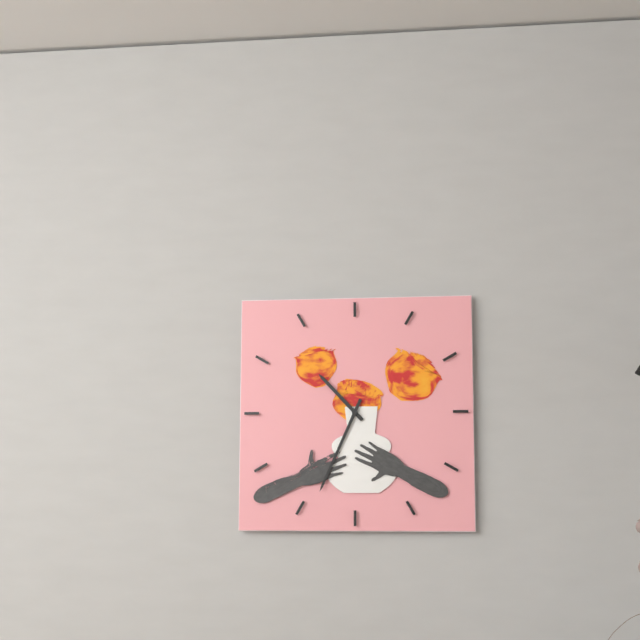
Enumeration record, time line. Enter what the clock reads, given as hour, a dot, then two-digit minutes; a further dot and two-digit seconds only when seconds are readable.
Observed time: 10.34
